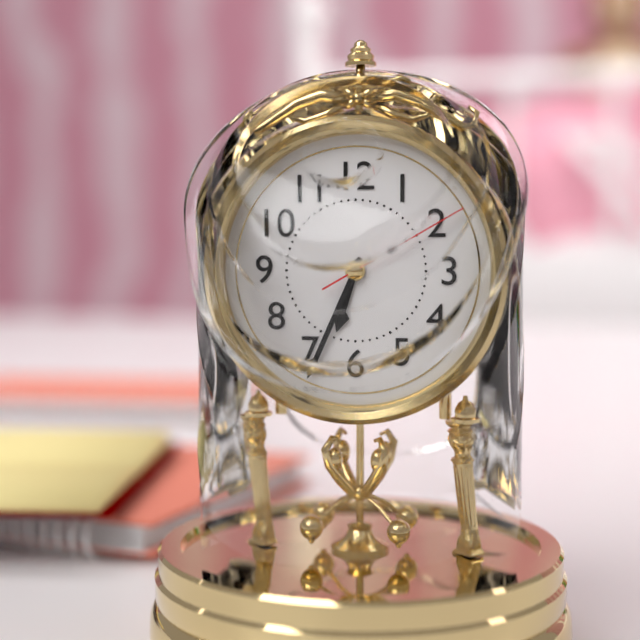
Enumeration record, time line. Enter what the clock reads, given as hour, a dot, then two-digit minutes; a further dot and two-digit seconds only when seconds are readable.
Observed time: 6.34.10
